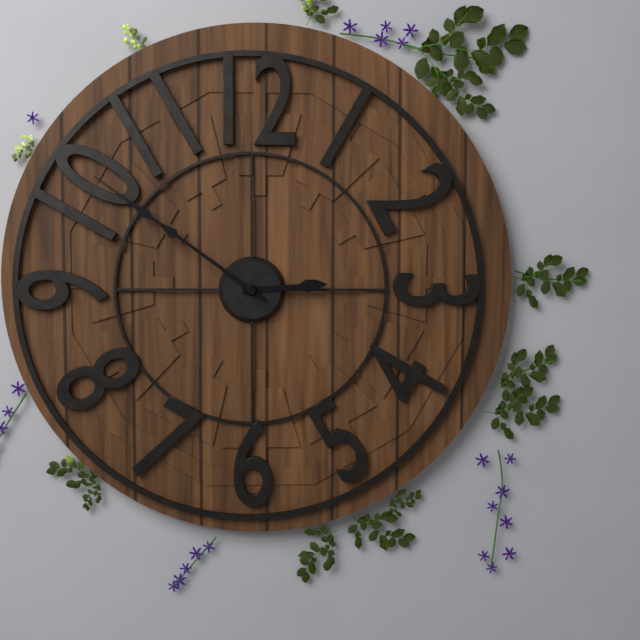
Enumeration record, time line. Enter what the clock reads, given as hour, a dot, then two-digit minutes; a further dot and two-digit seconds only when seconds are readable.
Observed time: 2.51.51
